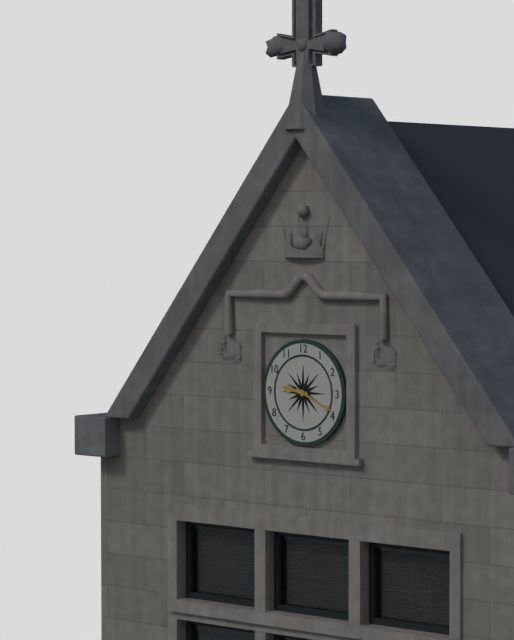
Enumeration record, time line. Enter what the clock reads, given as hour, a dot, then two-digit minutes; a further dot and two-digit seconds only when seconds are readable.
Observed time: 9.19
